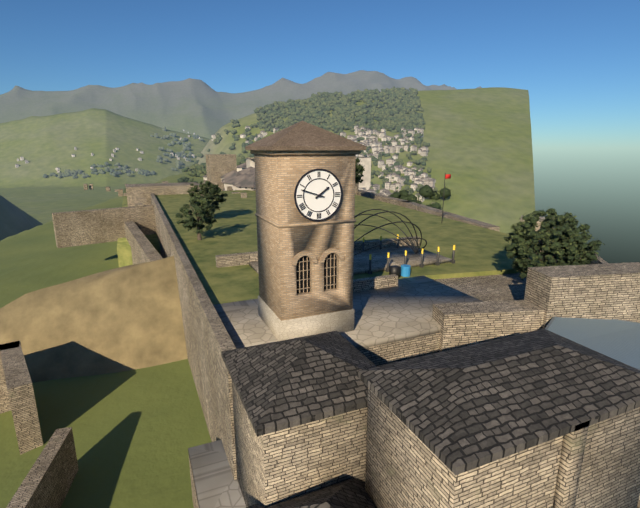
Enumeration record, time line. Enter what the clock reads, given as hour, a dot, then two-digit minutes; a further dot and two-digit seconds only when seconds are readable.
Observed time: 1.48
